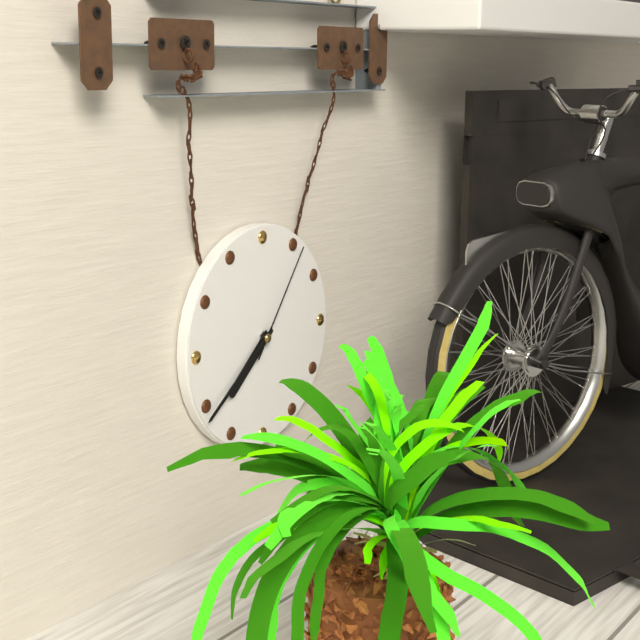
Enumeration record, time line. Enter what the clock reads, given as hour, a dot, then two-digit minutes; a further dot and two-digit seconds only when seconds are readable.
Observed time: 7.39.06
